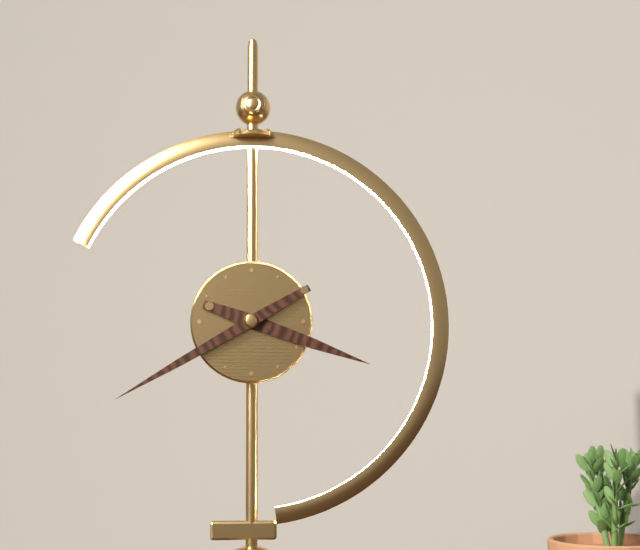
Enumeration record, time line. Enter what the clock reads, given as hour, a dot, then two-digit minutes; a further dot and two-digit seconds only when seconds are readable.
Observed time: 3.40
